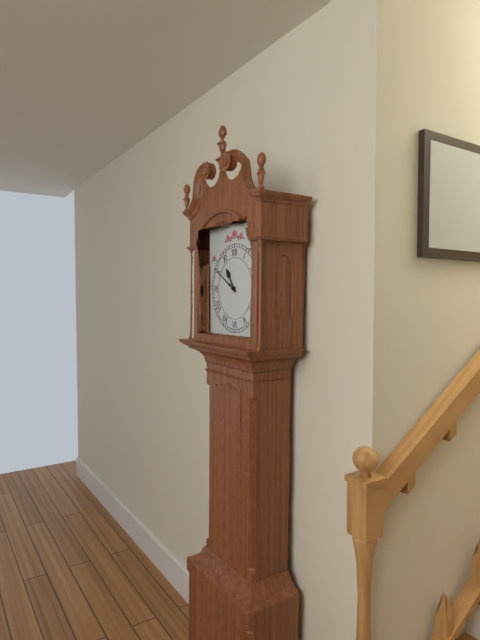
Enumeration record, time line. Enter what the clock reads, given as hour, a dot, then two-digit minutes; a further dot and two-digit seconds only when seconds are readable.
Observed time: 10.50
